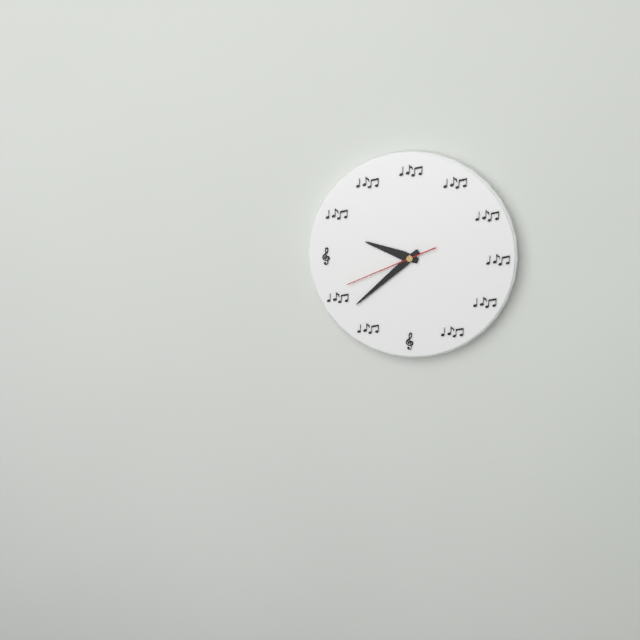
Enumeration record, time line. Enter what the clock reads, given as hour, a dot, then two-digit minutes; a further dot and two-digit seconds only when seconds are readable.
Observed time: 9.38.41
